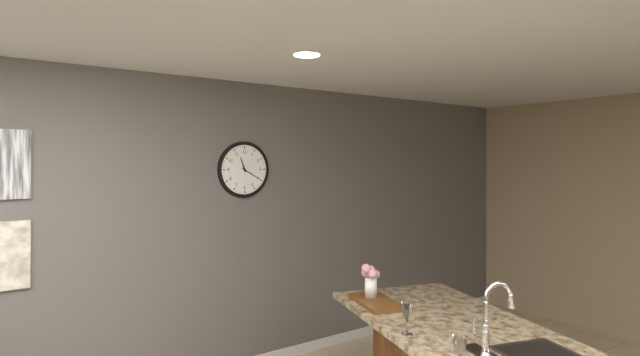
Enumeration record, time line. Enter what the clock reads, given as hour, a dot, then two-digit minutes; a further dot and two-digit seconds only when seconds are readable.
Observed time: 11.20
